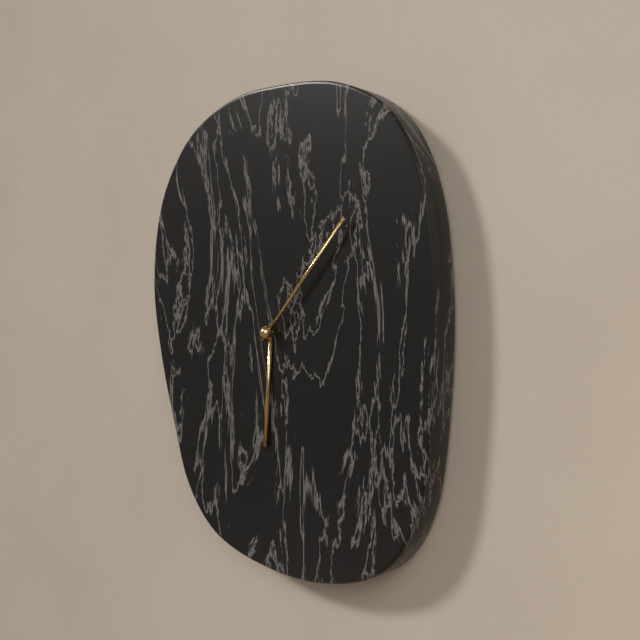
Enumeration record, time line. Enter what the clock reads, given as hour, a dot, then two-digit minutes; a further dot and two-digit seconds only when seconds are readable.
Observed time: 6.07
